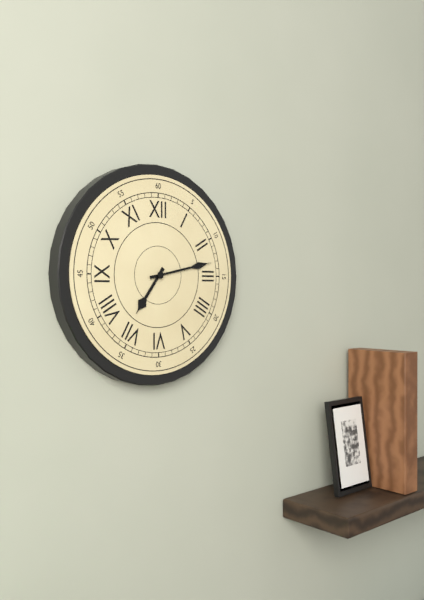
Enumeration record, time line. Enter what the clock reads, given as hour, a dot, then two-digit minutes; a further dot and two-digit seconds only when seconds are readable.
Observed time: 7.13
